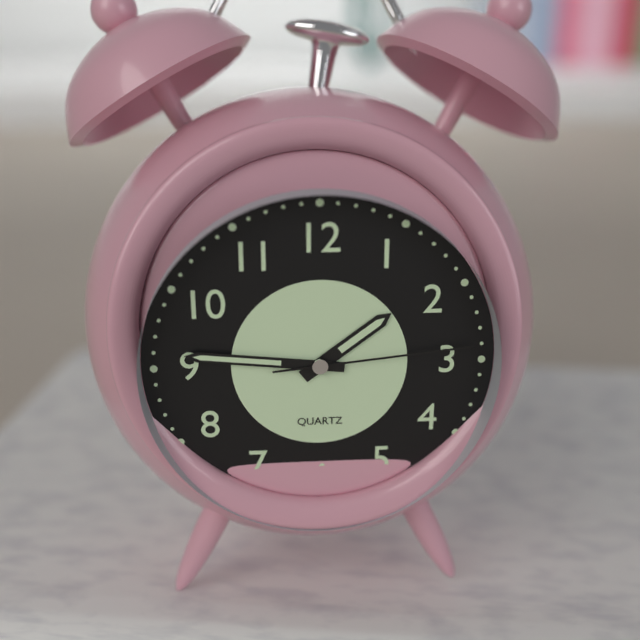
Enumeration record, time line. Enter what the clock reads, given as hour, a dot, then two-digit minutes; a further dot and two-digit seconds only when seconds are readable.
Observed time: 1.46.14
